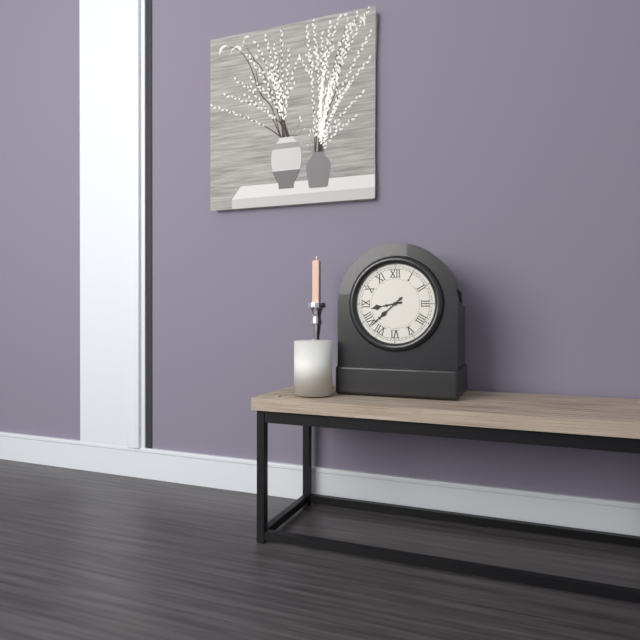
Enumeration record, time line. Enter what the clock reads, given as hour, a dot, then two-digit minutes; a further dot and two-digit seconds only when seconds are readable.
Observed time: 8.38
